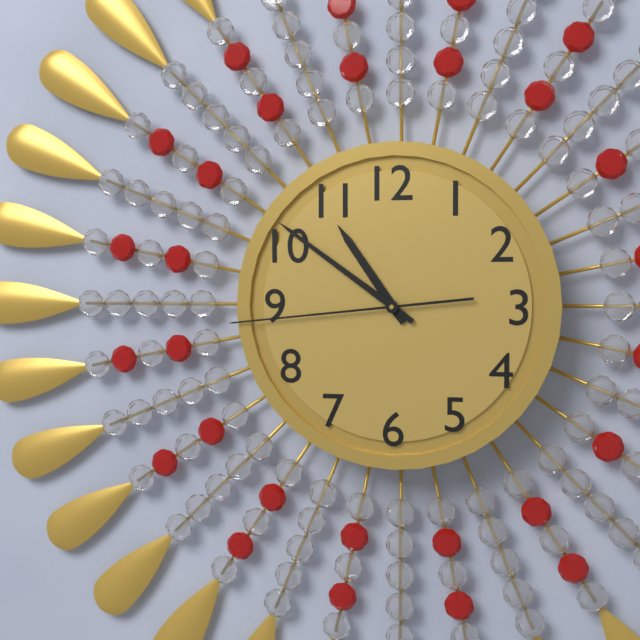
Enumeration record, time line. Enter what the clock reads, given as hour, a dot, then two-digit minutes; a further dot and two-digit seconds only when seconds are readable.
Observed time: 10.51.44
